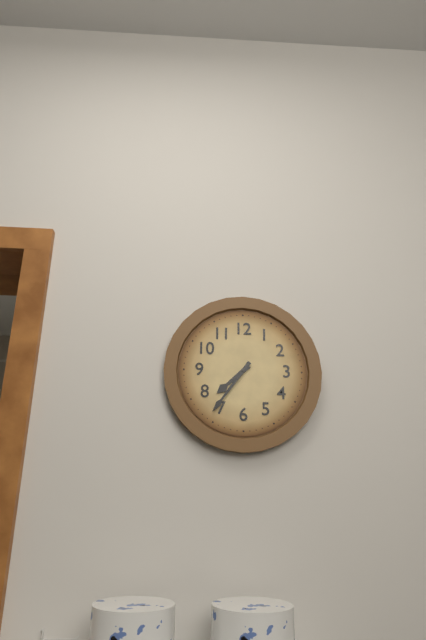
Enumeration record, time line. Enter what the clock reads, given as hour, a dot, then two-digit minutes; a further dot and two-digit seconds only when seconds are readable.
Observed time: 7.36
